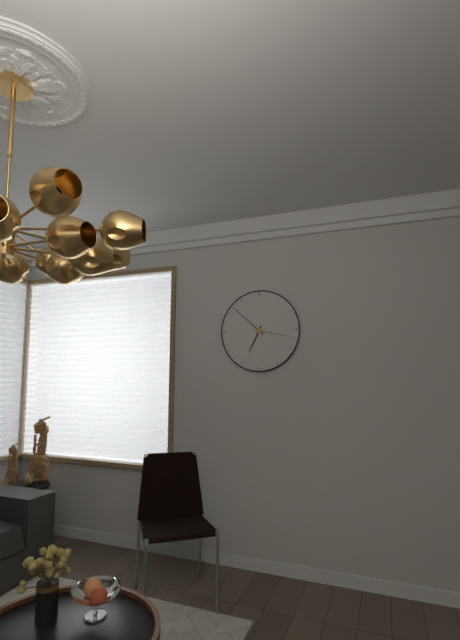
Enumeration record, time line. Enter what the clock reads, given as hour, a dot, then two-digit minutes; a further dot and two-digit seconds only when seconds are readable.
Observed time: 6.52
